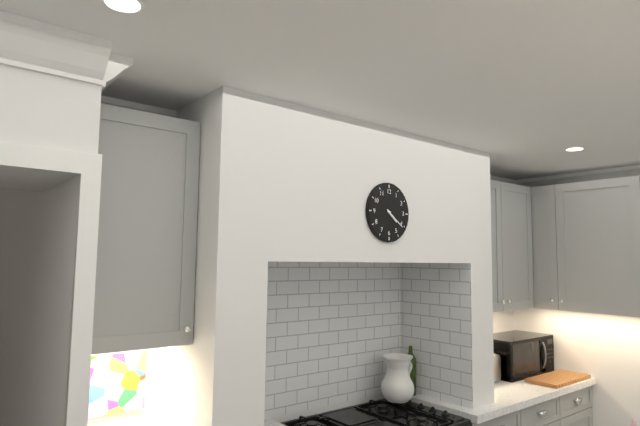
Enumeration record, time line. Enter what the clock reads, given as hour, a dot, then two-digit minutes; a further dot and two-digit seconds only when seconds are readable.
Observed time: 4.21
